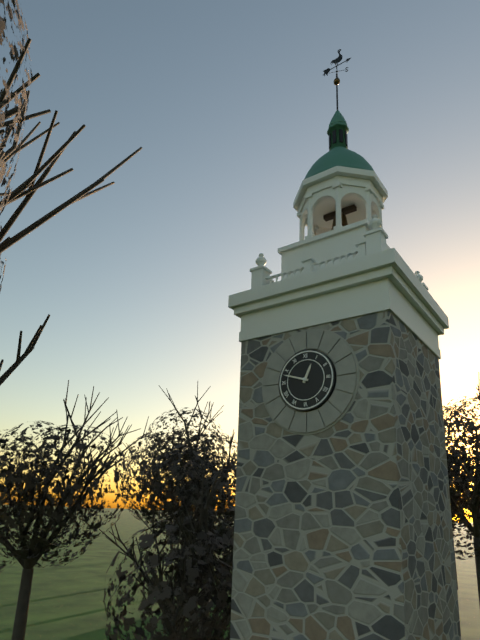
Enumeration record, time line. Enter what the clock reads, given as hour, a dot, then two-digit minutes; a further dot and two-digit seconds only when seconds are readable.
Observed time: 12.48
